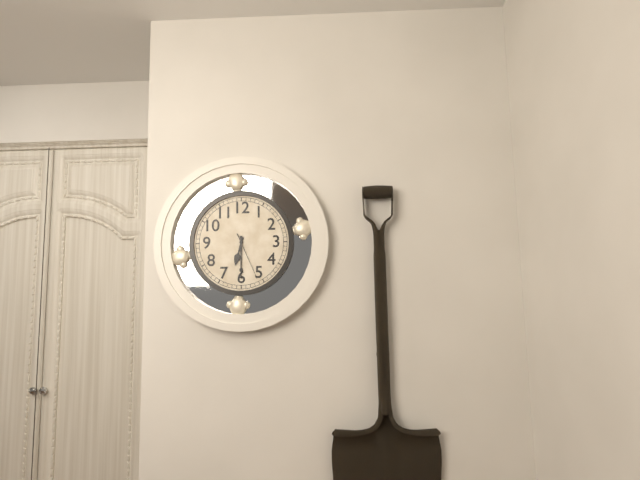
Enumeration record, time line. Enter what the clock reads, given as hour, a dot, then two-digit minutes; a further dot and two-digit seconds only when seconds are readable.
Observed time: 6.30
